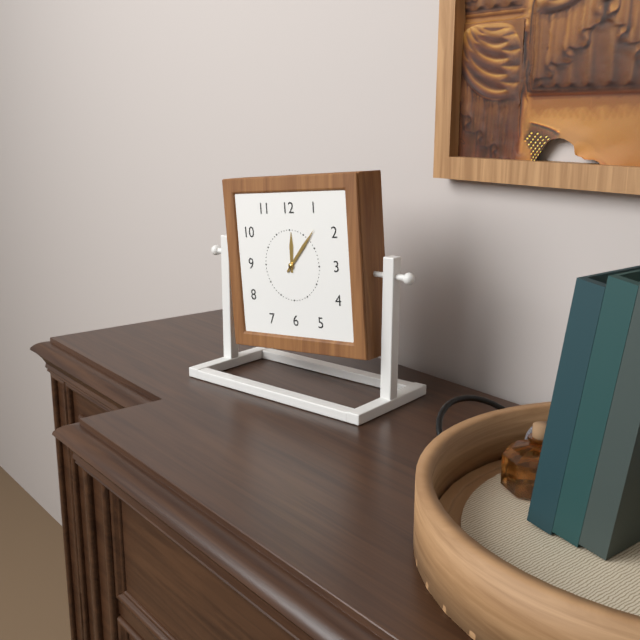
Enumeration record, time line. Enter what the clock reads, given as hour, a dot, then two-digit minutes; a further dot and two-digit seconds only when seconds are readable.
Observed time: 12.07
